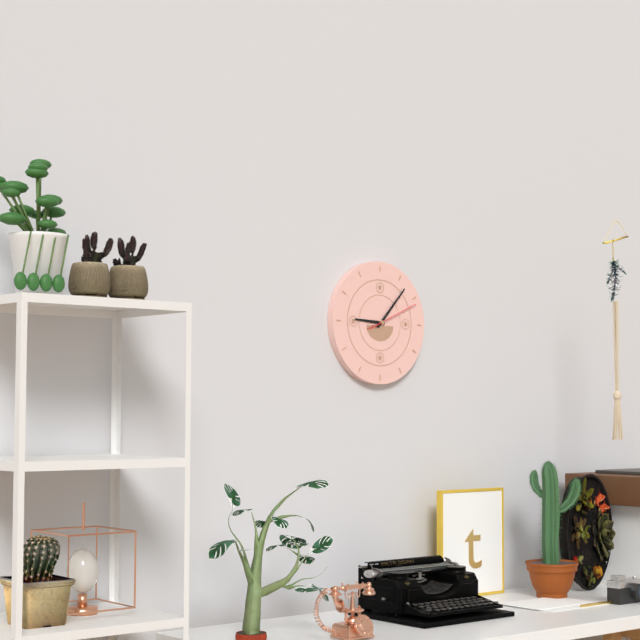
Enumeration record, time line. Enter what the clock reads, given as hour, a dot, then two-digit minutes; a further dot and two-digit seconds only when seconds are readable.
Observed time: 9.07.11
